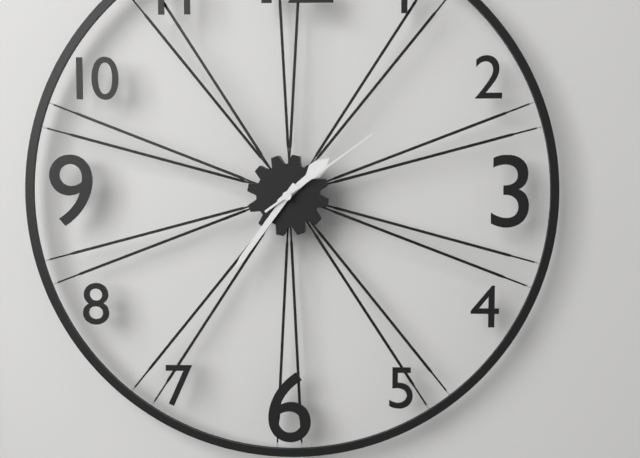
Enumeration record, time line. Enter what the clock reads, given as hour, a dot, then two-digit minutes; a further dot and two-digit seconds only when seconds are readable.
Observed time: 1.36.09
